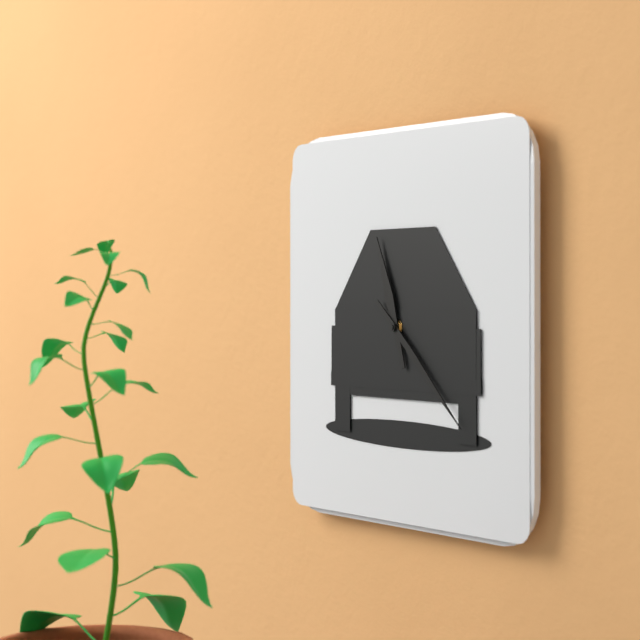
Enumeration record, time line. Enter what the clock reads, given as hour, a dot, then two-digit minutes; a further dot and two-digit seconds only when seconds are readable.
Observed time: 11.22
